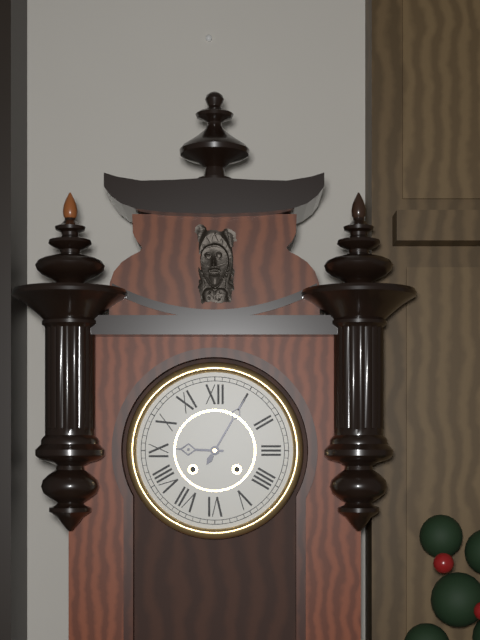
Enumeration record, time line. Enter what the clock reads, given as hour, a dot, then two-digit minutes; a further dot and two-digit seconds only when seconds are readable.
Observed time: 9.05
